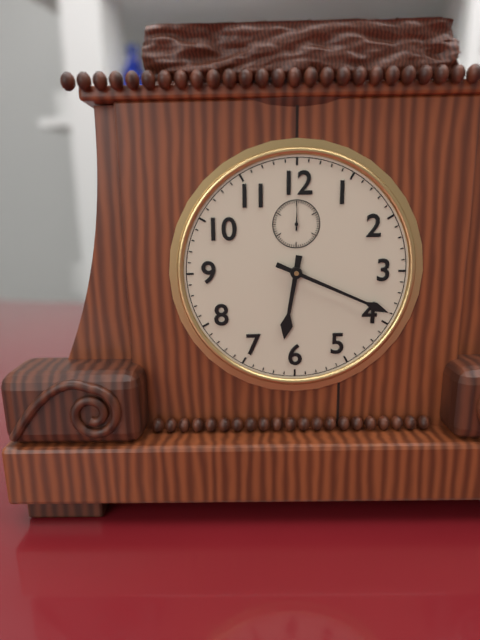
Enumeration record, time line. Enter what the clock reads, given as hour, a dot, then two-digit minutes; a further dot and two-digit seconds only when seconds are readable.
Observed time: 6.19
